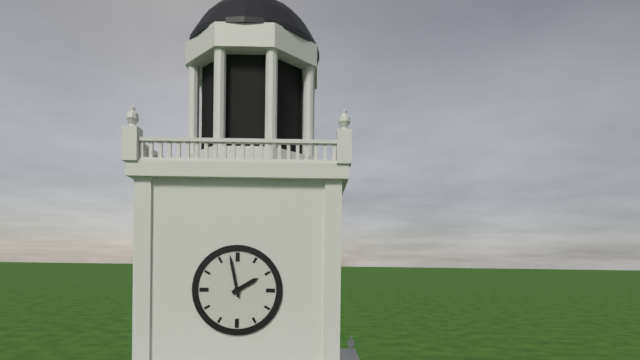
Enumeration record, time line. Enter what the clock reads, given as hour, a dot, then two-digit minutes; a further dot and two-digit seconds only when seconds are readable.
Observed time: 1.58
